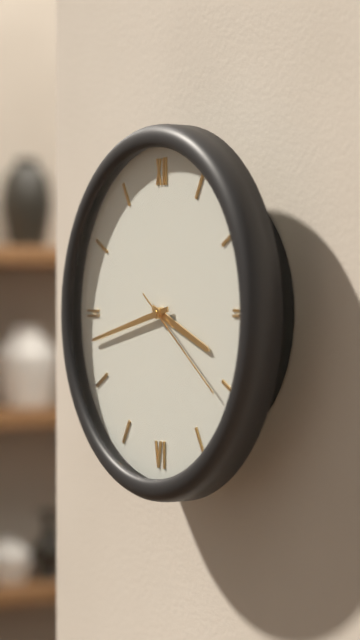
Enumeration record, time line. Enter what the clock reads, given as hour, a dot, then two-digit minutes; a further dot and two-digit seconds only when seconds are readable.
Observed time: 3.43.21
